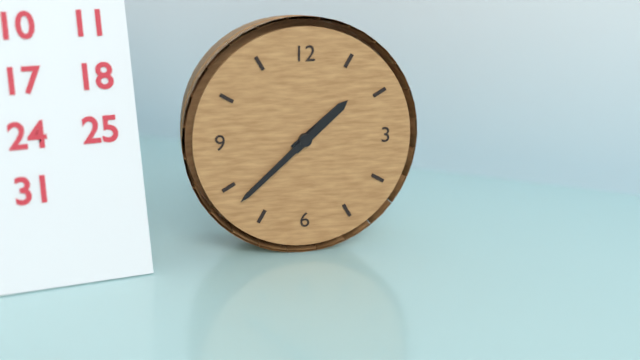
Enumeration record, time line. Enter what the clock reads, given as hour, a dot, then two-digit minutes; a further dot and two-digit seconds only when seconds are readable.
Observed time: 1.38
